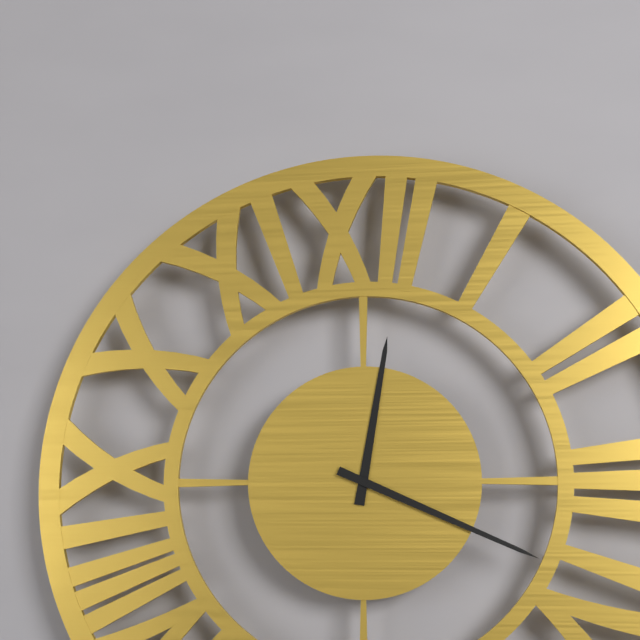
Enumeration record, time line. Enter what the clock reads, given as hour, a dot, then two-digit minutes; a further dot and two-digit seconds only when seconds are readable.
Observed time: 12.19
